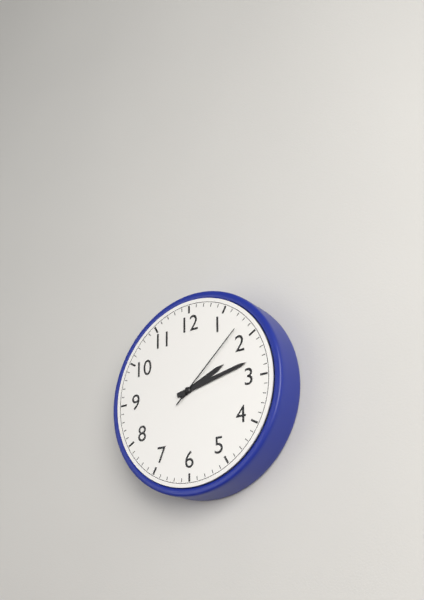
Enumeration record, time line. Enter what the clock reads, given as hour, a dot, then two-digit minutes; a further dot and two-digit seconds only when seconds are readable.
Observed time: 2.13.08
